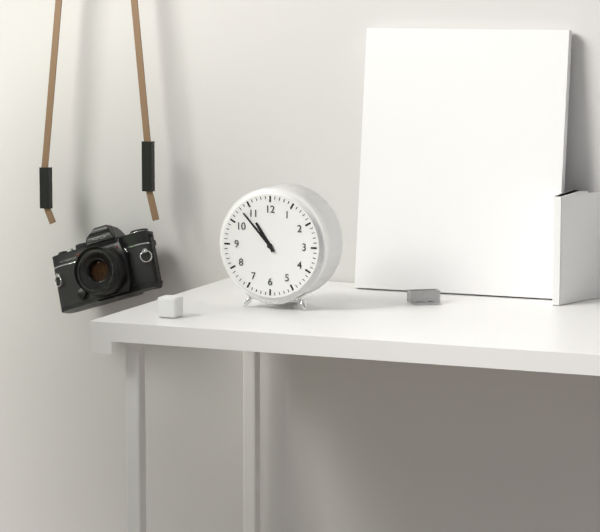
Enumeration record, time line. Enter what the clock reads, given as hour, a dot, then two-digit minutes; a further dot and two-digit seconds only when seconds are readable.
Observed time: 10.53
